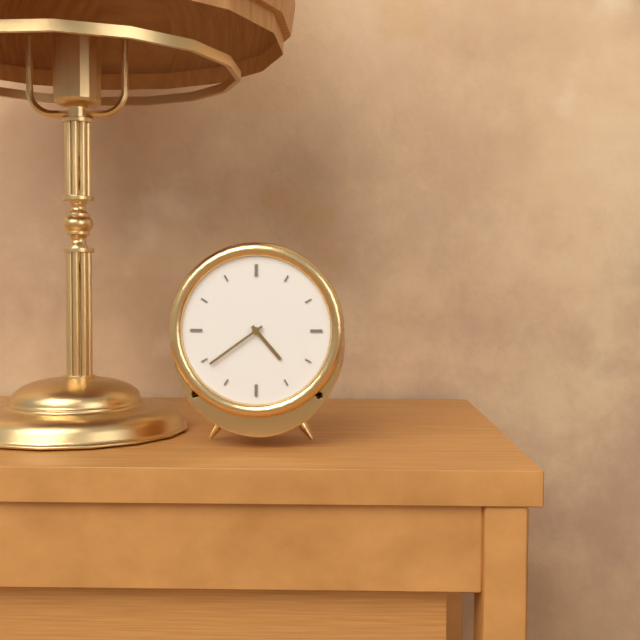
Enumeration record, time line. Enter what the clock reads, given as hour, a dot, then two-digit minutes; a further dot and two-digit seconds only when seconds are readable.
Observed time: 4.39
